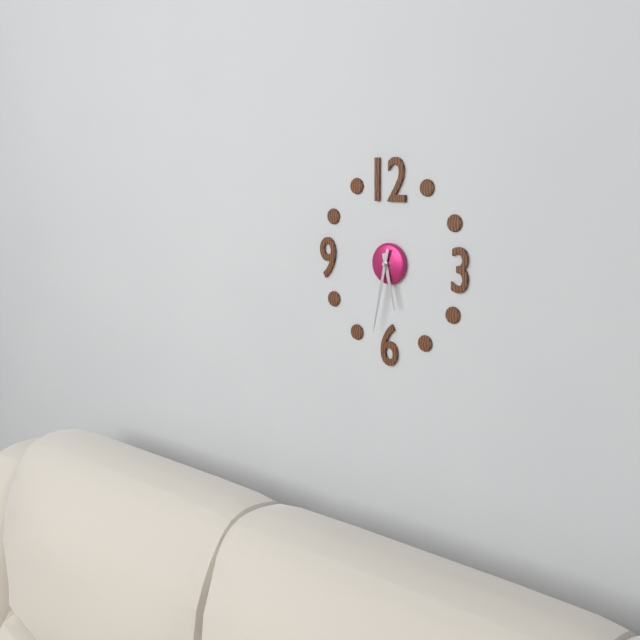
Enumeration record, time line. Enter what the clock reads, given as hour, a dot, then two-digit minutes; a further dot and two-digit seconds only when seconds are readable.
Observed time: 5.32
